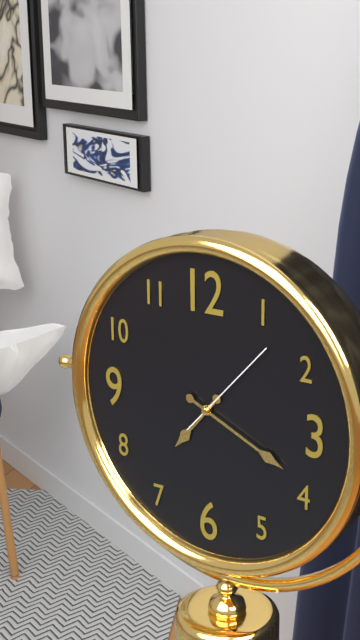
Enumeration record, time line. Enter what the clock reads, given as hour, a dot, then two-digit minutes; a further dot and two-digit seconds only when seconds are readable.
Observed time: 7.19.07
